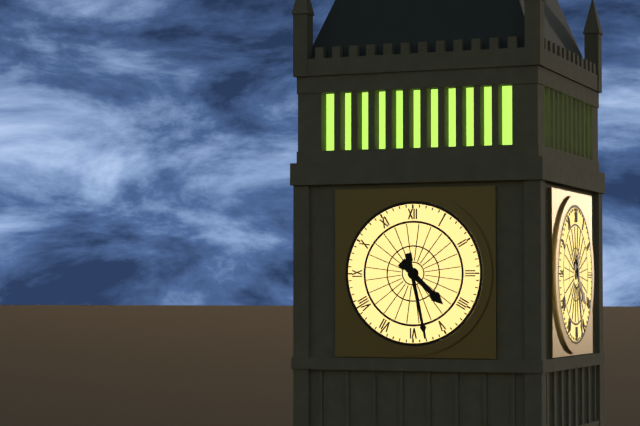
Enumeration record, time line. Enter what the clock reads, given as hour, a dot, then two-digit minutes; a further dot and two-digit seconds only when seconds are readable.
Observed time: 4.28
